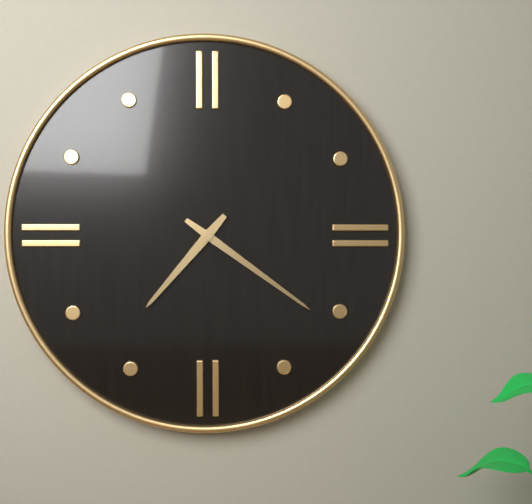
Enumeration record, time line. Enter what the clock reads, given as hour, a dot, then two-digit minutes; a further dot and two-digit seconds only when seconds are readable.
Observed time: 7.21
